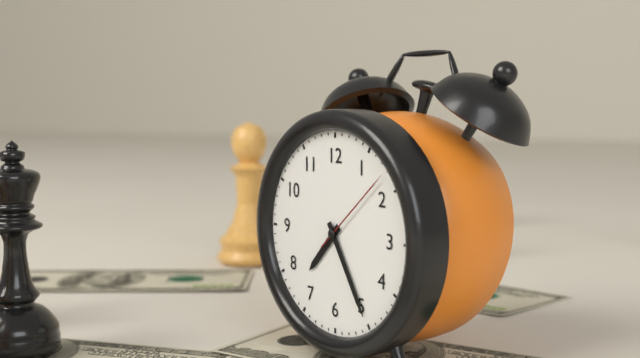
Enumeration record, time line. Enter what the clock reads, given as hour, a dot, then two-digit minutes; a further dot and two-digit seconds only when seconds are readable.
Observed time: 7.25.08
